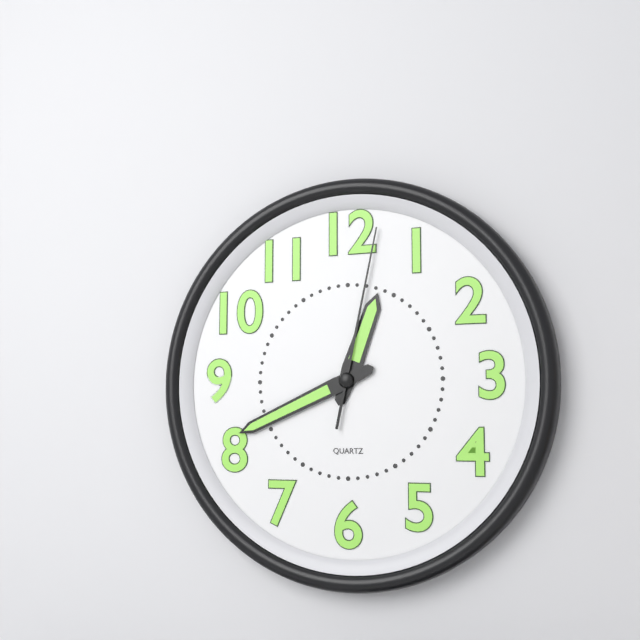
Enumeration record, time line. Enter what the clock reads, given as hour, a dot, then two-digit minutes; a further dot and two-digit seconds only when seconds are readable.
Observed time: 12.41.02
